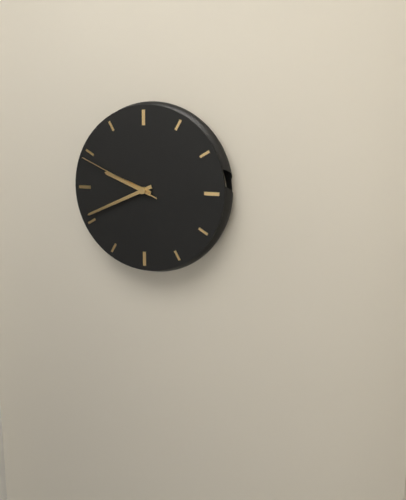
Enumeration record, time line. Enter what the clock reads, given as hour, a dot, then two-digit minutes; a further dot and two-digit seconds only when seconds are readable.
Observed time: 9.41.49
